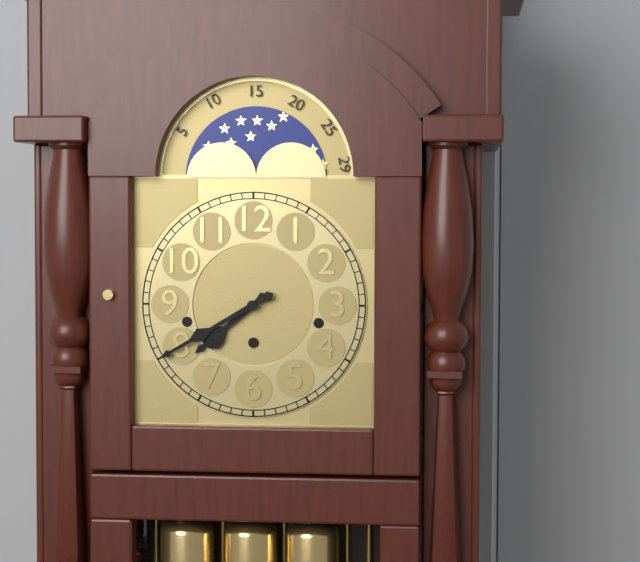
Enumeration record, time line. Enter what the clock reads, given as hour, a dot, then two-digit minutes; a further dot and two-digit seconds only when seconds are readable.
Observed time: 7.40
